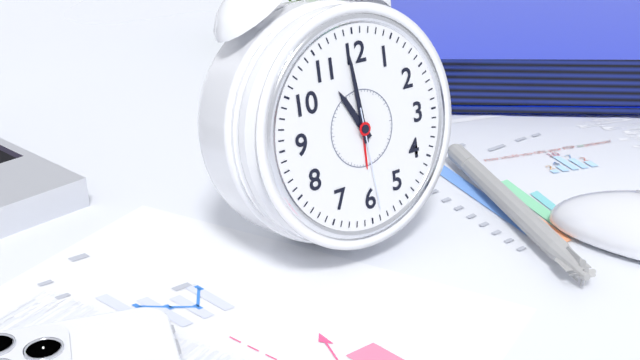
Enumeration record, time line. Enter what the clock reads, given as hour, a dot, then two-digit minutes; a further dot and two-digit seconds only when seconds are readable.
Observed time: 10.59.29
